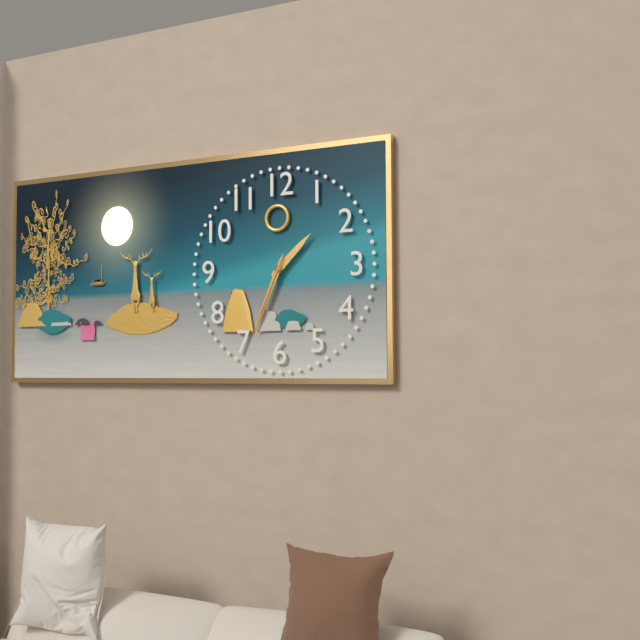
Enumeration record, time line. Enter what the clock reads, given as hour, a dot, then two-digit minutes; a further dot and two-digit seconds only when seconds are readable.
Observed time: 1.34.34
